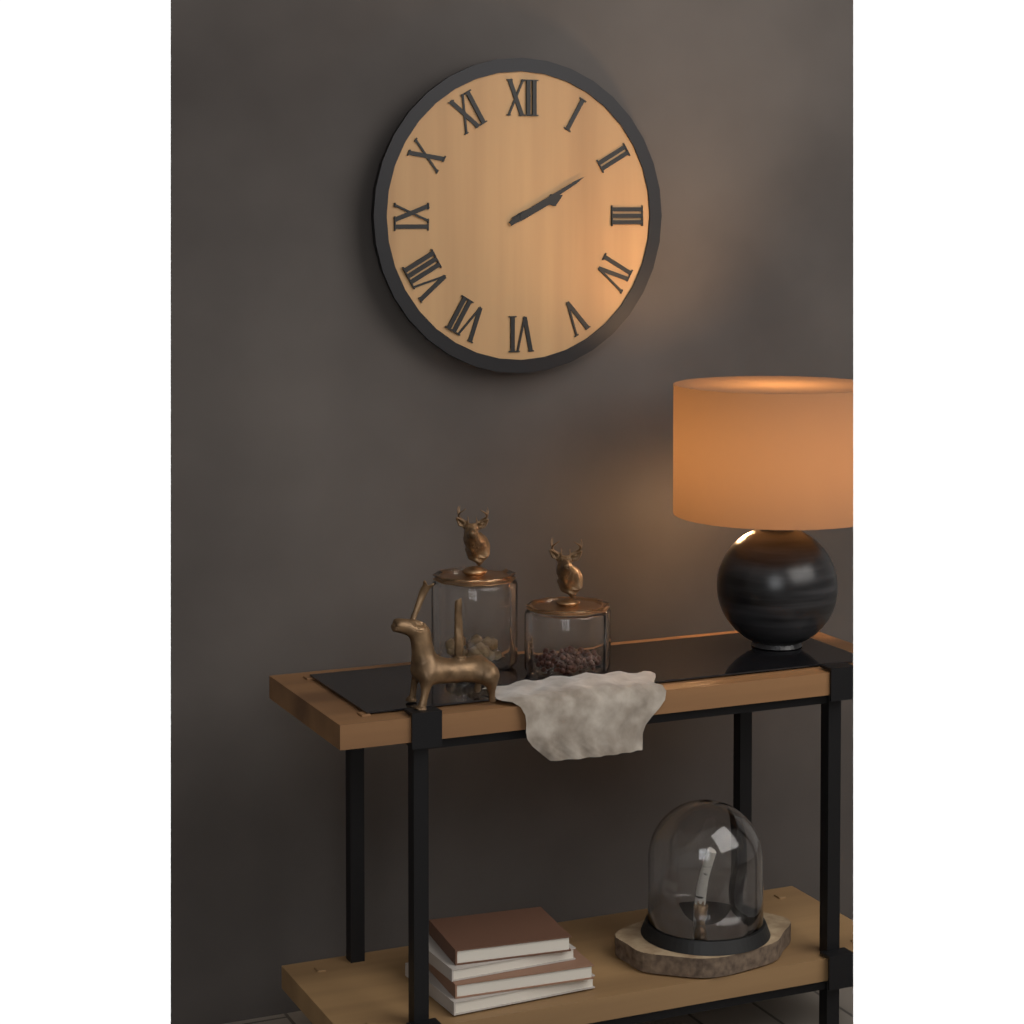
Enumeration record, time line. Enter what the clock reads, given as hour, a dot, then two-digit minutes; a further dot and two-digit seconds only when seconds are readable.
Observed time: 2.10
